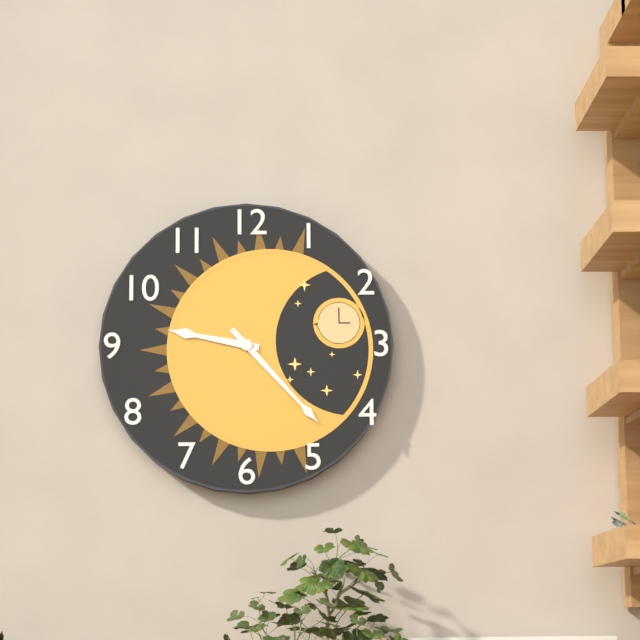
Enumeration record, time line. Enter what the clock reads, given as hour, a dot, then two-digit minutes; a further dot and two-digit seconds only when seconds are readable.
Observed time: 9.23
